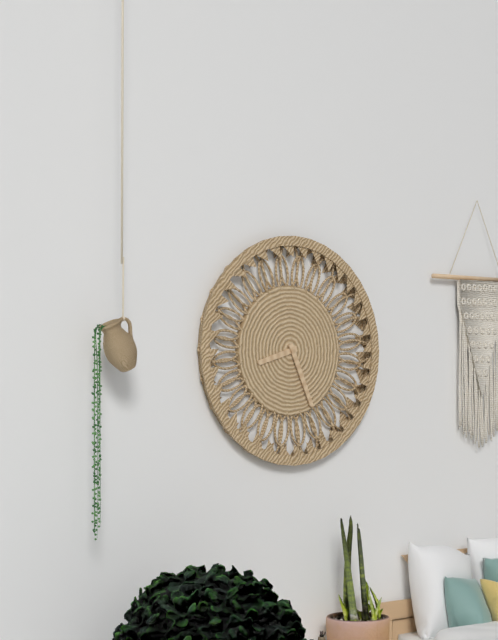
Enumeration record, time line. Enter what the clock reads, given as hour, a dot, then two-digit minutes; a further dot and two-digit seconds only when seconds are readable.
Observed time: 8.26
